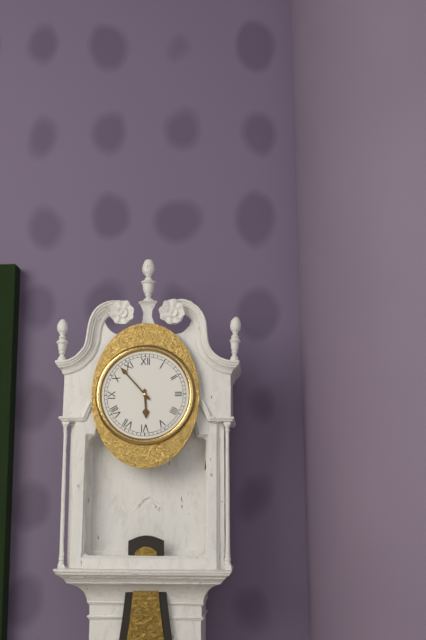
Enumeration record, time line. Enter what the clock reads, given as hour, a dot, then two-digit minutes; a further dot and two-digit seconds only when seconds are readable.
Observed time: 5.53
